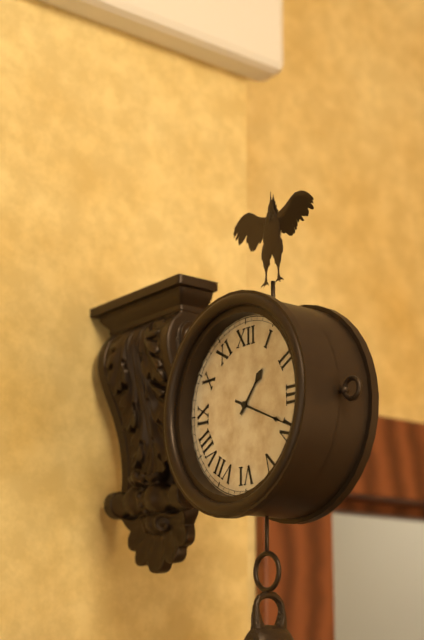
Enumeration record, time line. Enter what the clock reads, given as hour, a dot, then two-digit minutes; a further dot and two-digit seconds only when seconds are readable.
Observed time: 1.19
